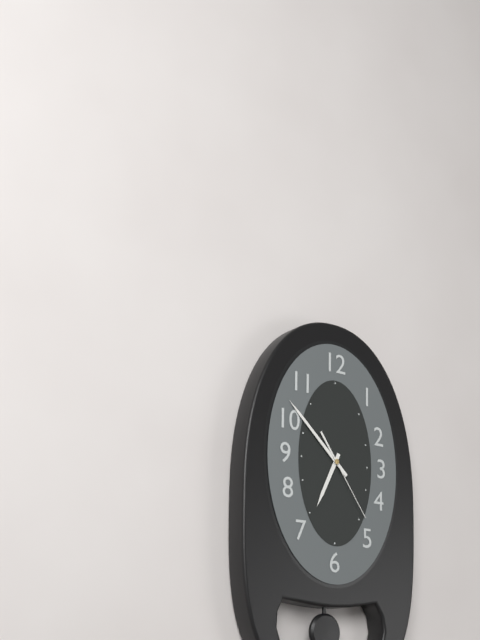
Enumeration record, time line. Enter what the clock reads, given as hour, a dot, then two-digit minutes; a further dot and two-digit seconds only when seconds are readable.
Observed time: 6.52.24
